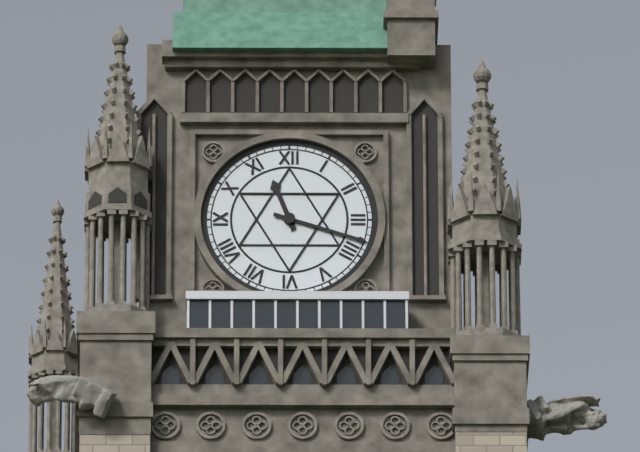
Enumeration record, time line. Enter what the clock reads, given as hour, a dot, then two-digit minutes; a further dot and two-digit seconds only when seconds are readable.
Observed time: 11.18
